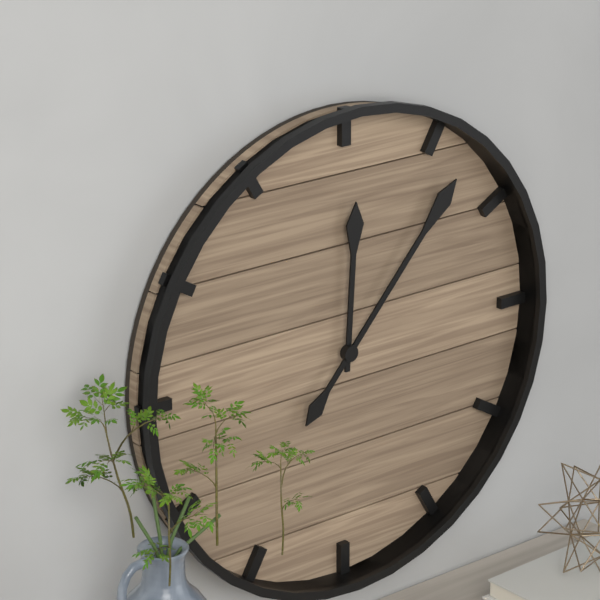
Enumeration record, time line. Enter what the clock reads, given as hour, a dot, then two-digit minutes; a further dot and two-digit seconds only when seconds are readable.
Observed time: 12.07
